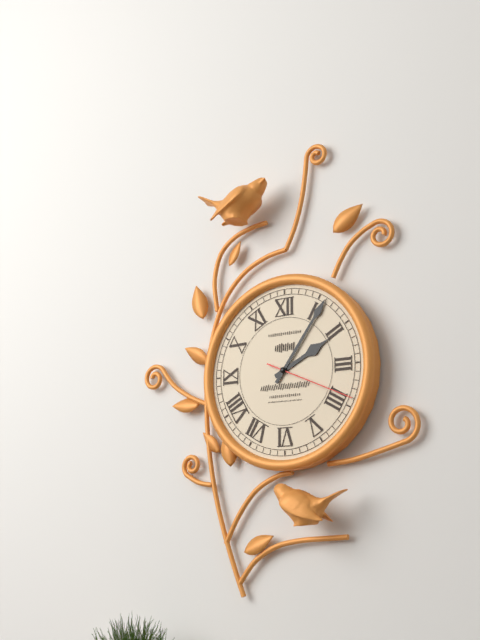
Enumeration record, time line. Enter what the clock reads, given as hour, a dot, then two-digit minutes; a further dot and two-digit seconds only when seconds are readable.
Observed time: 2.06.19
